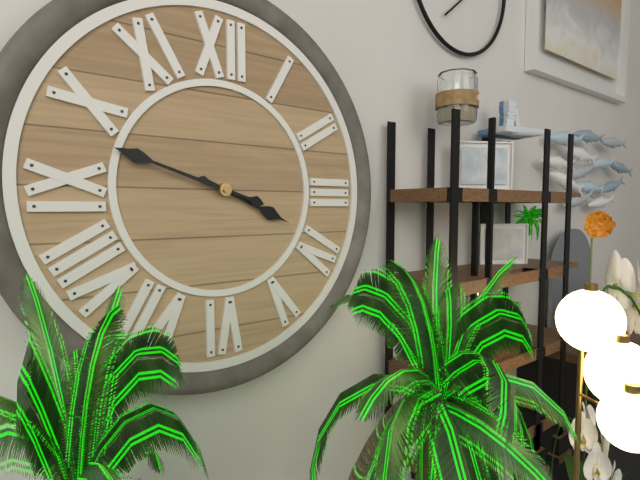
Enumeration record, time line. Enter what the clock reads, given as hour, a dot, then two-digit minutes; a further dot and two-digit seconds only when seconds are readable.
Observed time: 3.48
